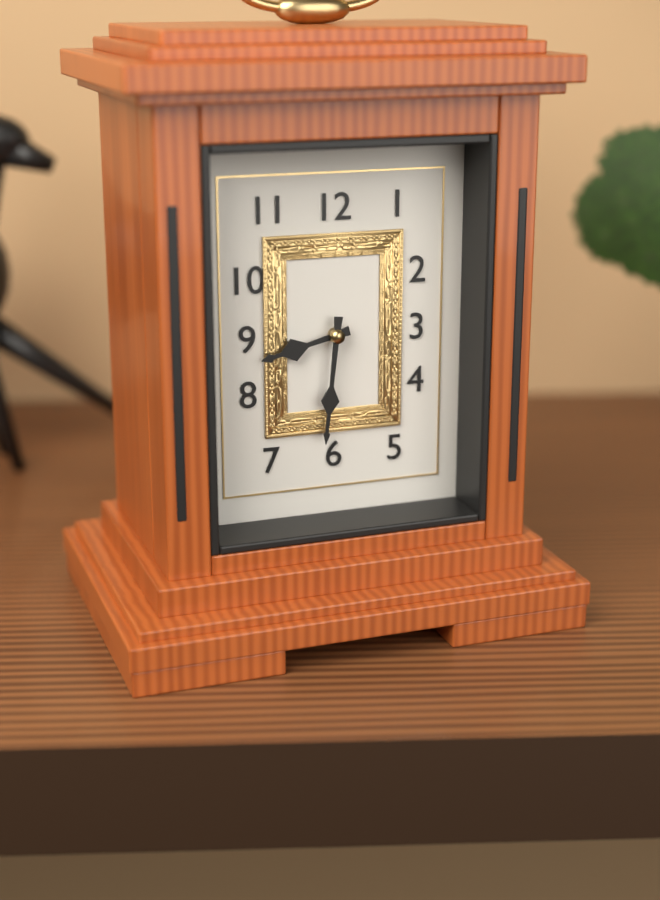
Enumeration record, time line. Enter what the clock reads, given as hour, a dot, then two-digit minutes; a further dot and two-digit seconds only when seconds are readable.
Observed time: 8.31
